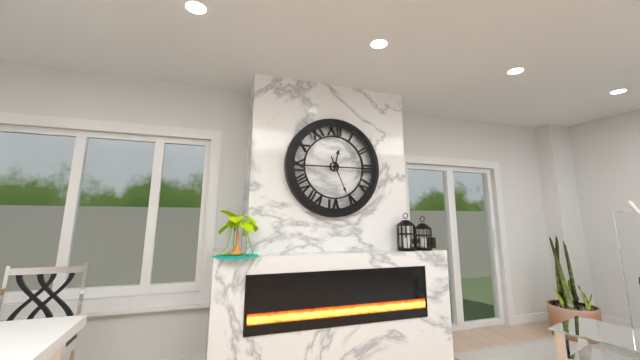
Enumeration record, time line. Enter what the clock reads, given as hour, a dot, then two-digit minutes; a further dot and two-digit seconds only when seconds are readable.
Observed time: 12.26
